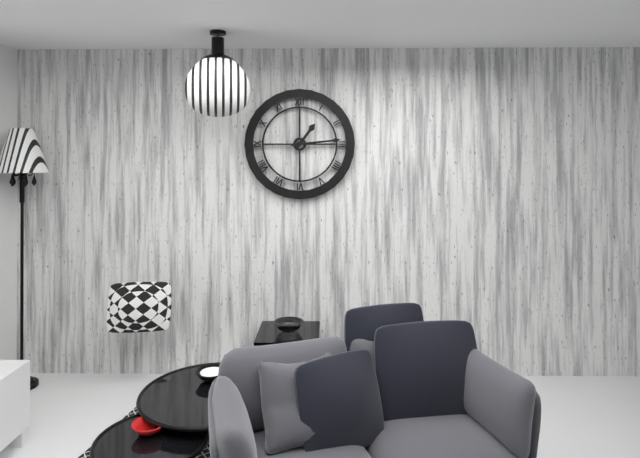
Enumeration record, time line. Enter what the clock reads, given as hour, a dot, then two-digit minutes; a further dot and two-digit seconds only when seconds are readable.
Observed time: 1.14
